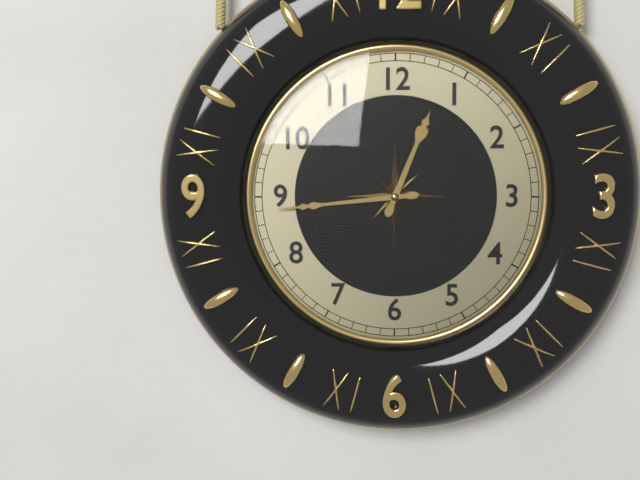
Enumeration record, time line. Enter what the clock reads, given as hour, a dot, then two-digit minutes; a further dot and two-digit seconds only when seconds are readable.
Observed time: 12.44
